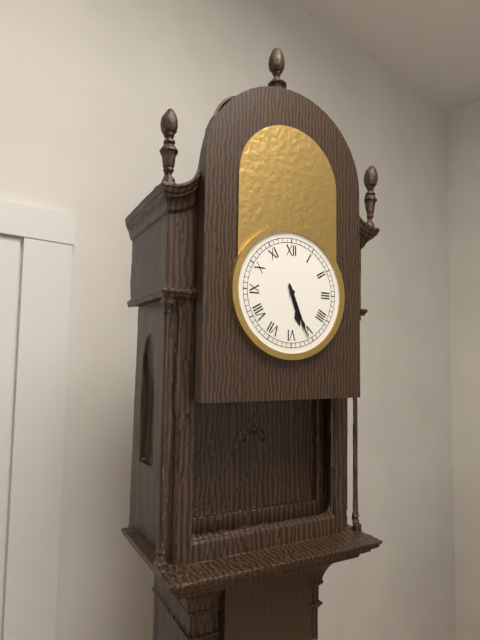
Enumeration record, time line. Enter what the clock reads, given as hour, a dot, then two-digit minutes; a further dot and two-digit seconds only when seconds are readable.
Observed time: 5.26
